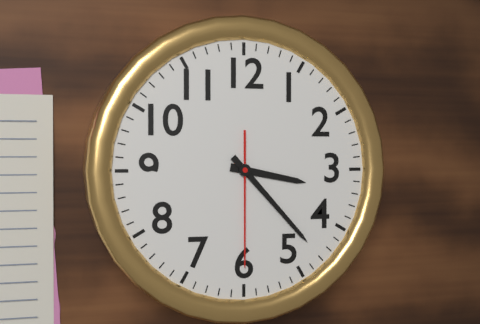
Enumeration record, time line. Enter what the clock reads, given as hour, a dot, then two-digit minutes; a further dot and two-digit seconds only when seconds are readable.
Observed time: 3.23.30
